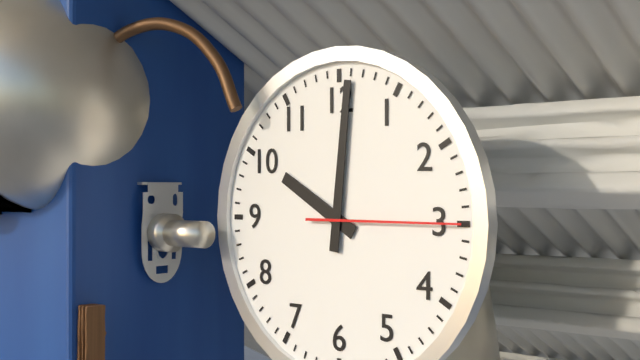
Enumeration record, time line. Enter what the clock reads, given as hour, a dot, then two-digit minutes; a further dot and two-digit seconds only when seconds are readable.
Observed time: 10.01.15
